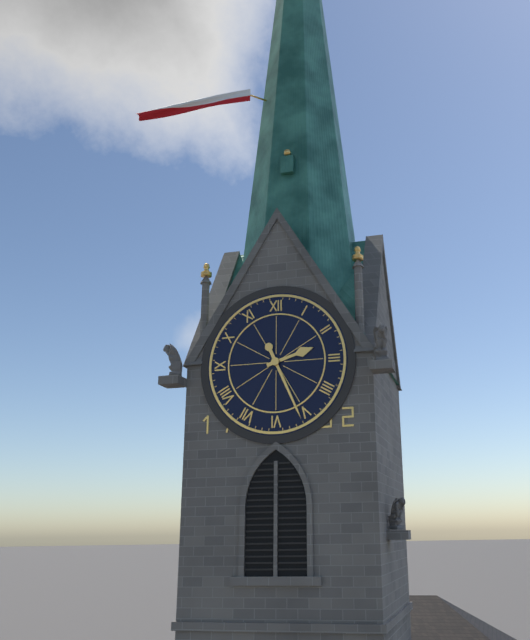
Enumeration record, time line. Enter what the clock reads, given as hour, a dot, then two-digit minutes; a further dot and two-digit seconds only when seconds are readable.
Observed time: 2.26
